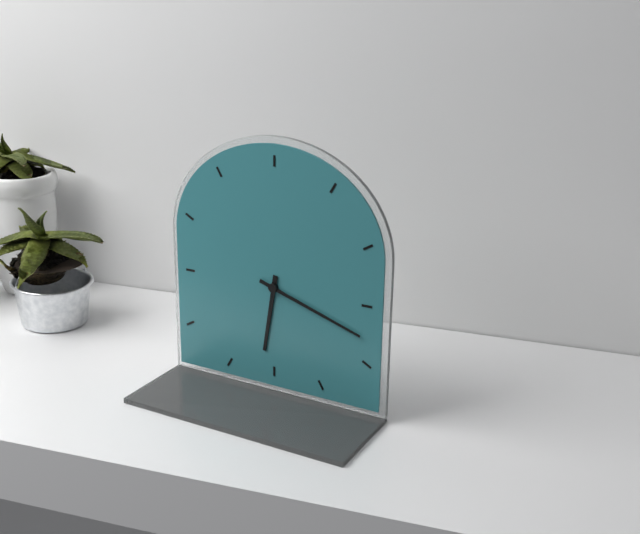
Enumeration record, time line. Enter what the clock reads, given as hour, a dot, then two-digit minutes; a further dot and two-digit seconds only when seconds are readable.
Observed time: 6.18
